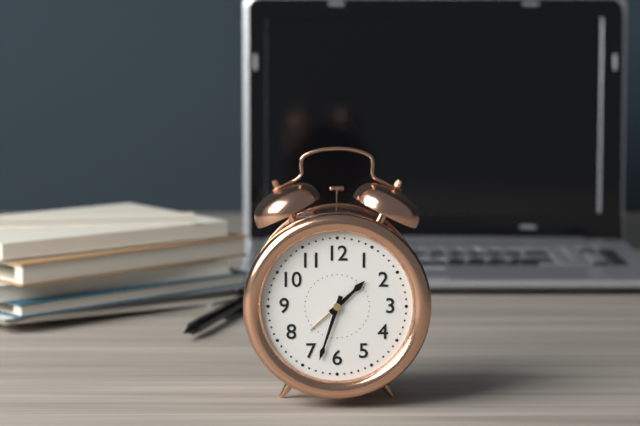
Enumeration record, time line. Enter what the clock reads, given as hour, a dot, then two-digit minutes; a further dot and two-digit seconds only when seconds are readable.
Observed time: 1.33
